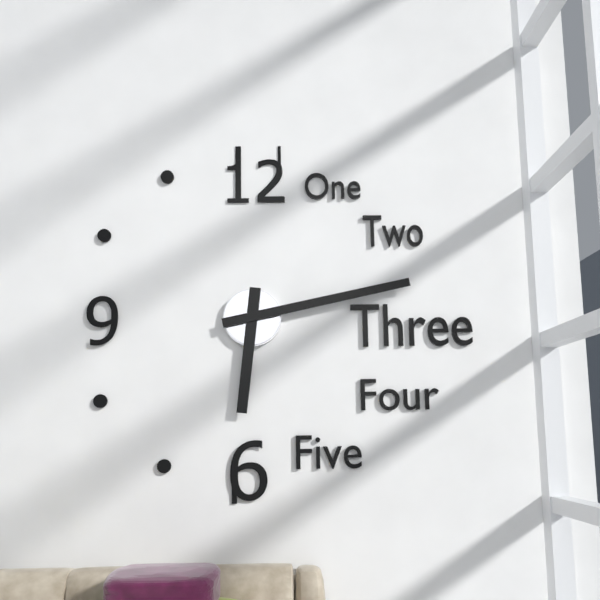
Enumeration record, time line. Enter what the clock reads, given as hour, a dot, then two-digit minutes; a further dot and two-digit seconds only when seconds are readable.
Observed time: 6.13
